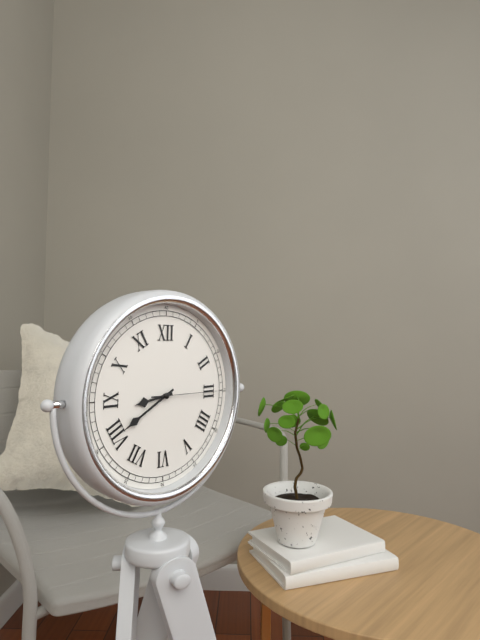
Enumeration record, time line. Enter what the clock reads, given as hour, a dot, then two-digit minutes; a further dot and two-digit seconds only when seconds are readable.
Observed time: 8.40.15
